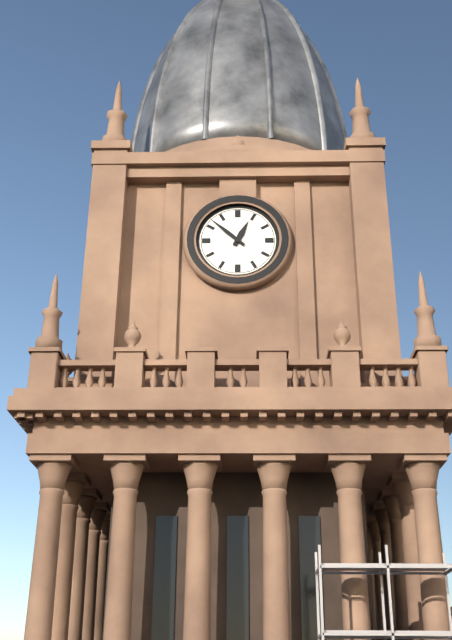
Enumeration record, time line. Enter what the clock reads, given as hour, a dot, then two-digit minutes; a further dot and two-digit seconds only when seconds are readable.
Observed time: 12.52
